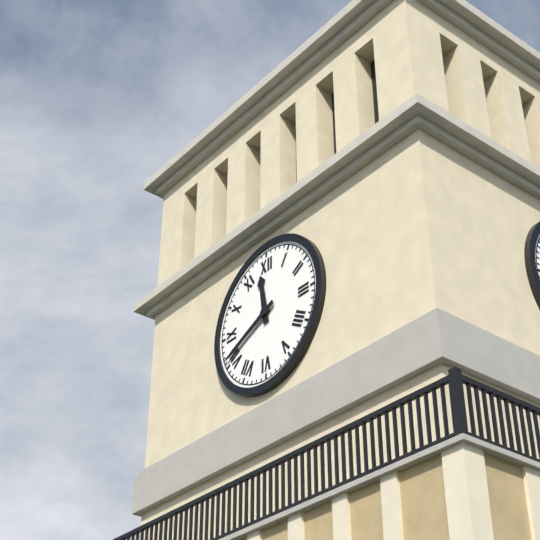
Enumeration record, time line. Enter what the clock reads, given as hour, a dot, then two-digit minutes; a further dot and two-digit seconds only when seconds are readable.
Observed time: 11.41
